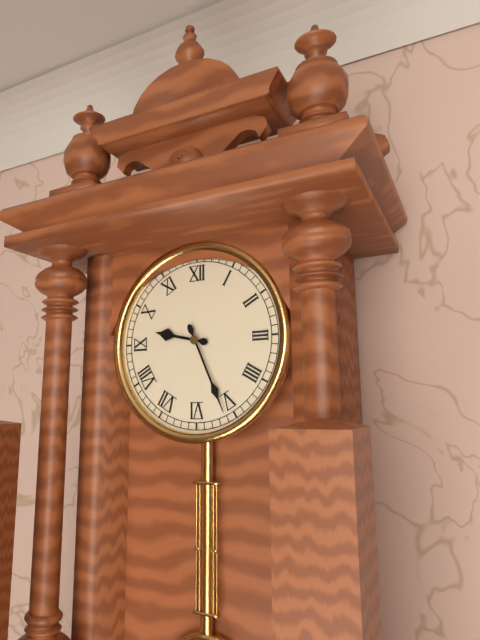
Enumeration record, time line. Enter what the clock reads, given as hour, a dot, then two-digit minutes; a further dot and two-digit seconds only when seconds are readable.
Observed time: 9.26
